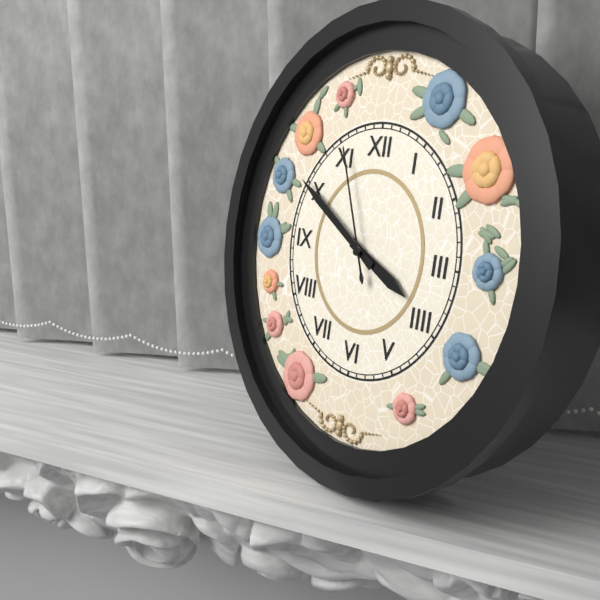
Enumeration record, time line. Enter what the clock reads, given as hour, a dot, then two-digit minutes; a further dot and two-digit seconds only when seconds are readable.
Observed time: 3.50.56
